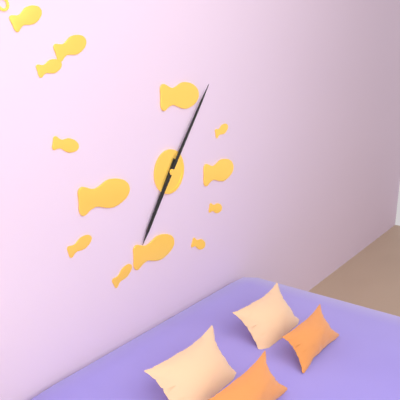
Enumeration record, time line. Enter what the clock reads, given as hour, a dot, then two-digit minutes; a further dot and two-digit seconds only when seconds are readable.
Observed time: 7.06
